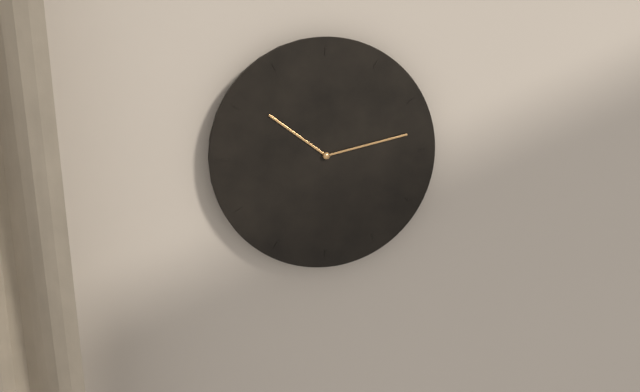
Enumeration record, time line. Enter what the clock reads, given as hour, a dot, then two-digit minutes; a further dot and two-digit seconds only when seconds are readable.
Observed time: 10.13
